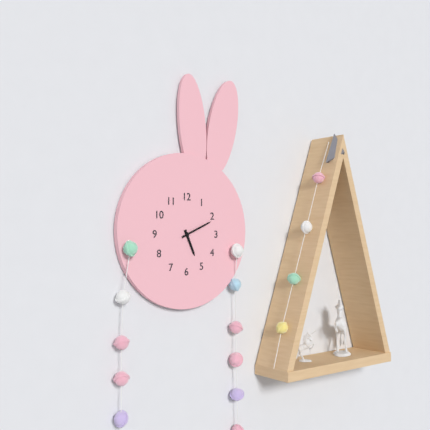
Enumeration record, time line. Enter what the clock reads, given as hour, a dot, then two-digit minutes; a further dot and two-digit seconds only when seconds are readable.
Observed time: 5.11
